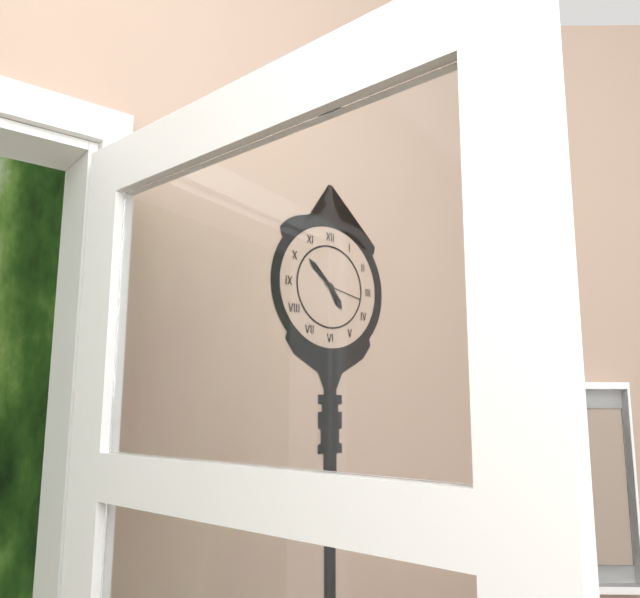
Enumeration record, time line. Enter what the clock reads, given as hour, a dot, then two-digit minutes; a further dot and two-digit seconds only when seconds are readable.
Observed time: 4.52
